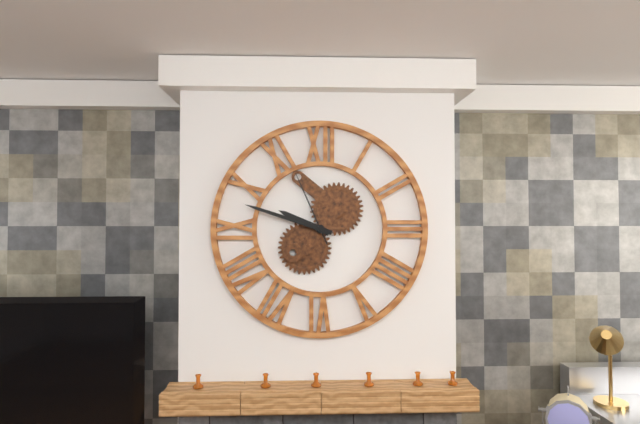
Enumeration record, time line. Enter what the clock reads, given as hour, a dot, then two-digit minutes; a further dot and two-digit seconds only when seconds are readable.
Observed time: 9.48.56
